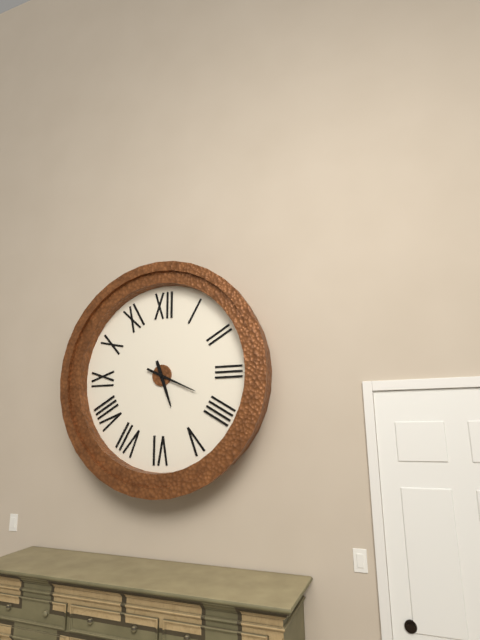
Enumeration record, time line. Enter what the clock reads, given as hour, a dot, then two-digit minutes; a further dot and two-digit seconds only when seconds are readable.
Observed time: 5.19
